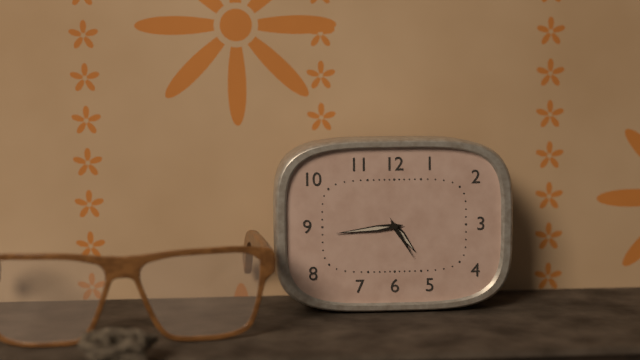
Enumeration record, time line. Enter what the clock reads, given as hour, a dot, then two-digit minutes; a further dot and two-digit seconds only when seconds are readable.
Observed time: 4.44
